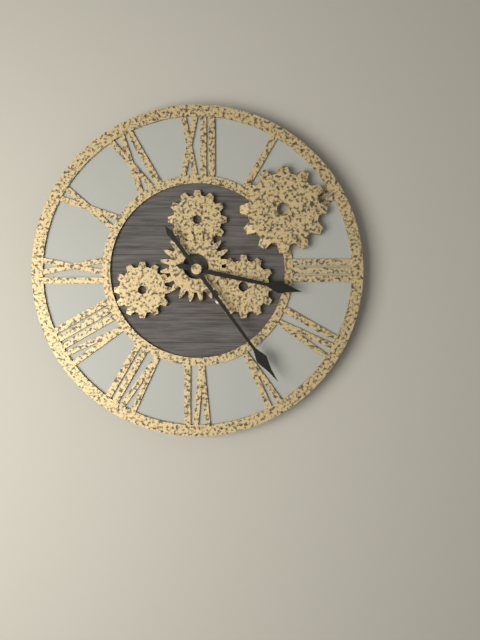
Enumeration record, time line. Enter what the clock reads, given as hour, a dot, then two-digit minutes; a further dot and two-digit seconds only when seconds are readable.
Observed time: 3.24
